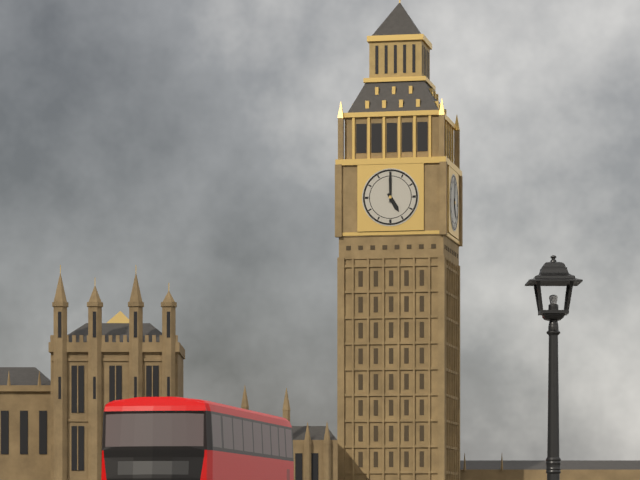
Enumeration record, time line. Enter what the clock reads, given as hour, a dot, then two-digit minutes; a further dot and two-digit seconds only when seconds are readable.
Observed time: 5.00
